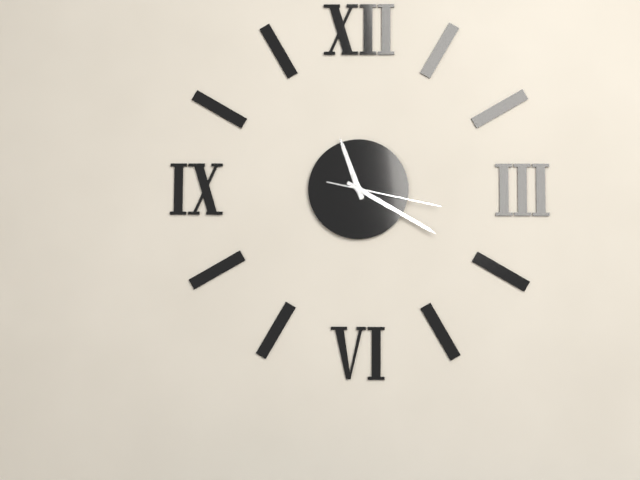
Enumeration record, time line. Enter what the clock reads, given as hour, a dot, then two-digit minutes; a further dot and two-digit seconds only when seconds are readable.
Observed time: 11.20.17
